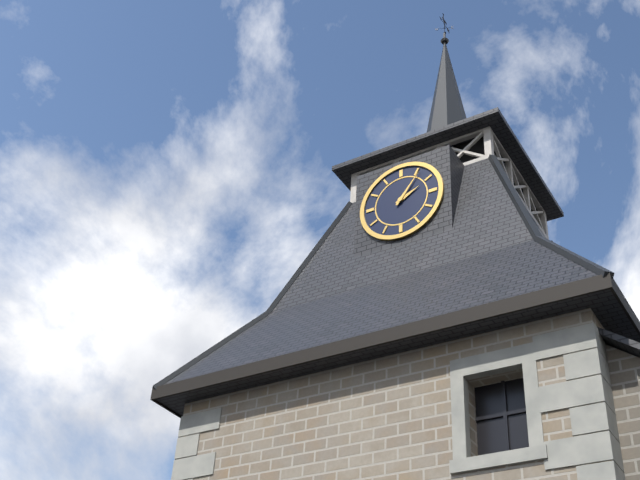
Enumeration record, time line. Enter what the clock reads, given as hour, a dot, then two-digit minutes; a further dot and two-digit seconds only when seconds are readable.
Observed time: 2.06
